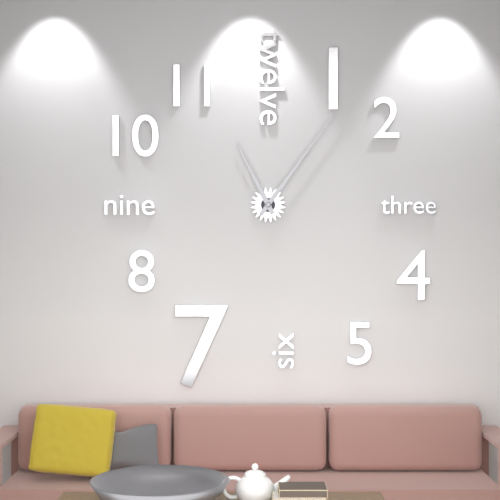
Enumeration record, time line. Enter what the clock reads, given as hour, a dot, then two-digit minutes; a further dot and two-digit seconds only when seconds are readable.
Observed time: 11.06
